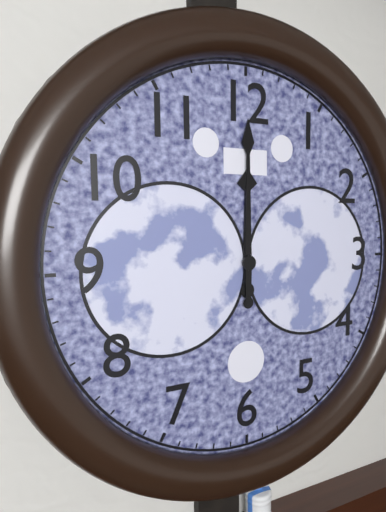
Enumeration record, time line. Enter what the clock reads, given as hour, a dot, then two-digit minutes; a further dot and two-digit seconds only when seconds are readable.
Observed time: 12.00
